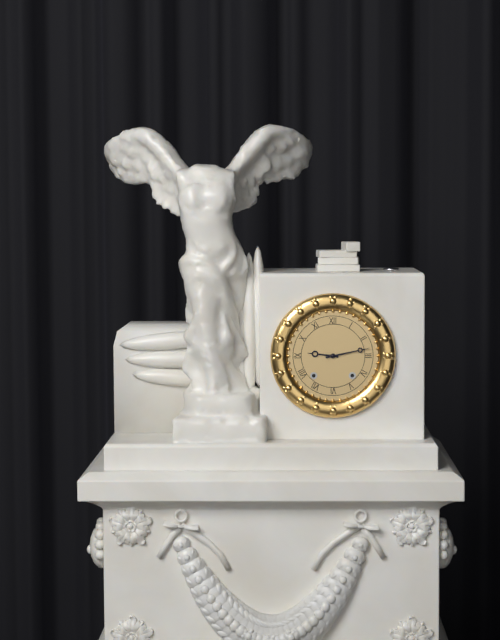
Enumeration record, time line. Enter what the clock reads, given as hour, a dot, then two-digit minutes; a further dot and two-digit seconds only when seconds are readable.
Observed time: 9.13
